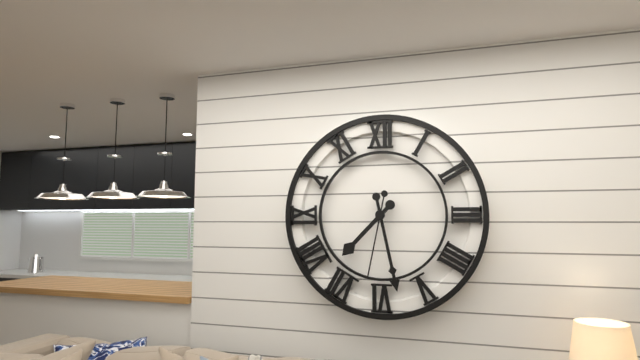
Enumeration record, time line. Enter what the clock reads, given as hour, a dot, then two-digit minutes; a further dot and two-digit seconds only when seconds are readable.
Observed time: 7.28.32
